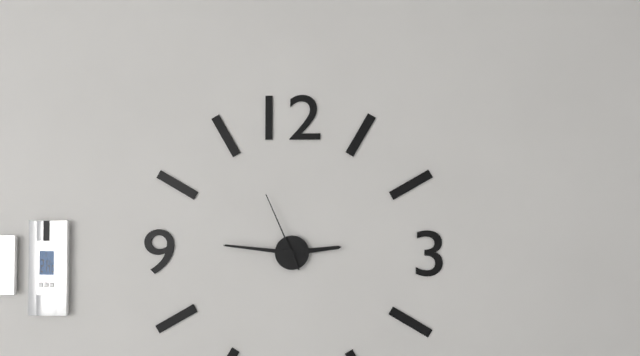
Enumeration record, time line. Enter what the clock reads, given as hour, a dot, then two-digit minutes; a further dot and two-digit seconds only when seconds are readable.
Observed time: 2.46.56
